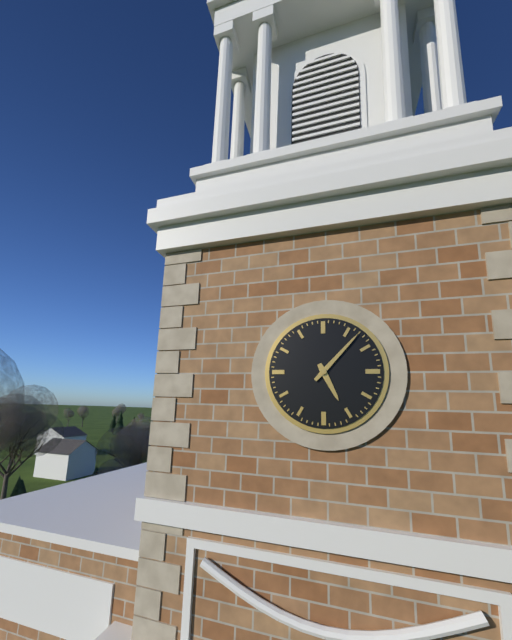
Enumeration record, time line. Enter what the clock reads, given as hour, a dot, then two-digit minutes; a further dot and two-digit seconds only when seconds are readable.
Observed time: 5.07
